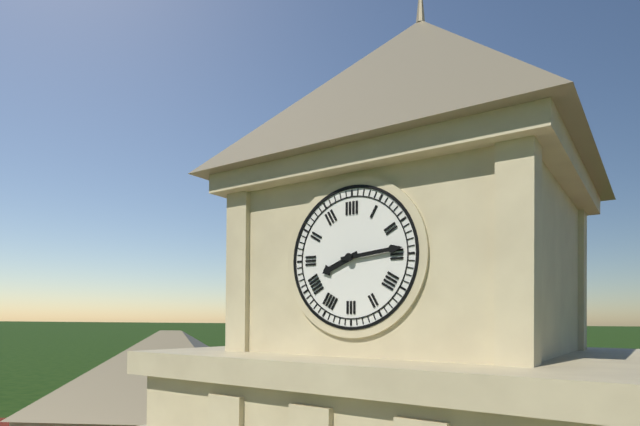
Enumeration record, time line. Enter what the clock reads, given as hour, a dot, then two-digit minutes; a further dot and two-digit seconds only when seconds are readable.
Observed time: 8.14
